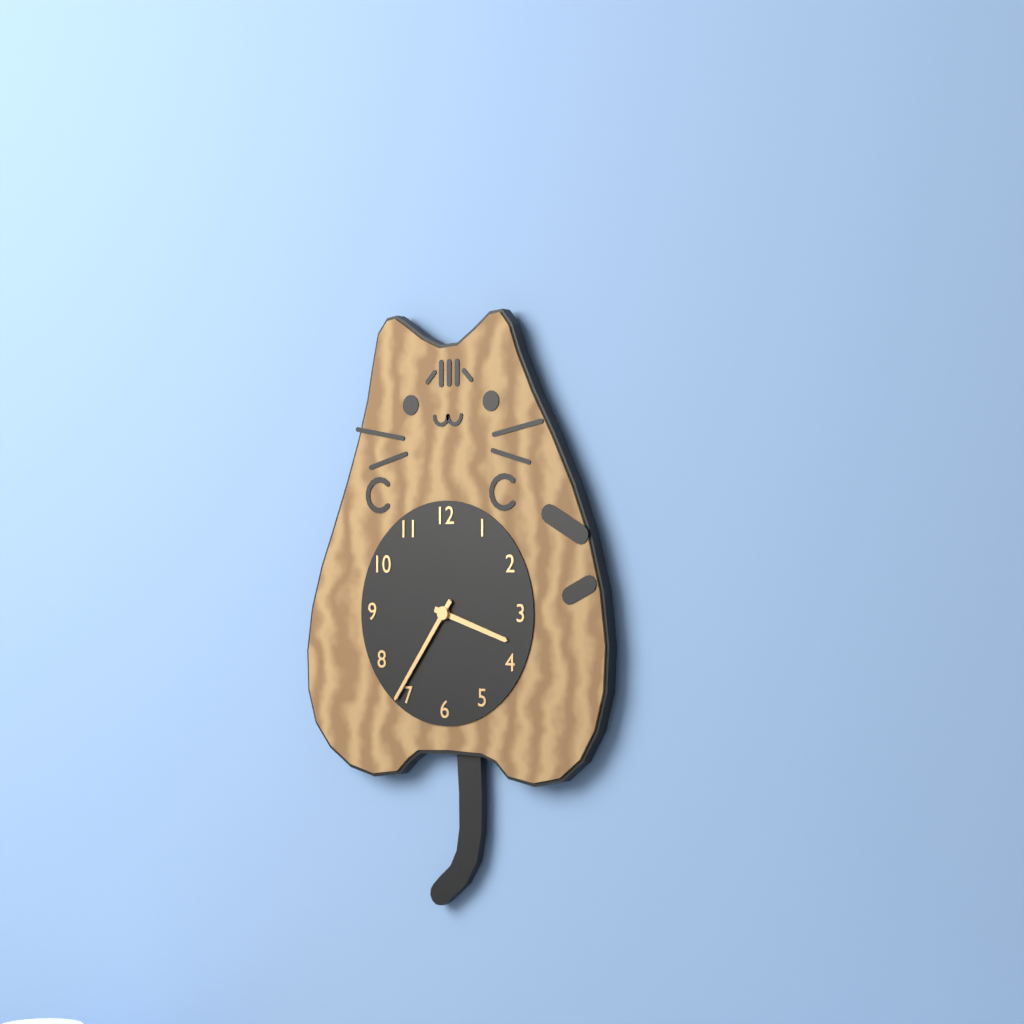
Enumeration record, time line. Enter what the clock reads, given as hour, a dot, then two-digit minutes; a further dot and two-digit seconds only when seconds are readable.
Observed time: 3.36
